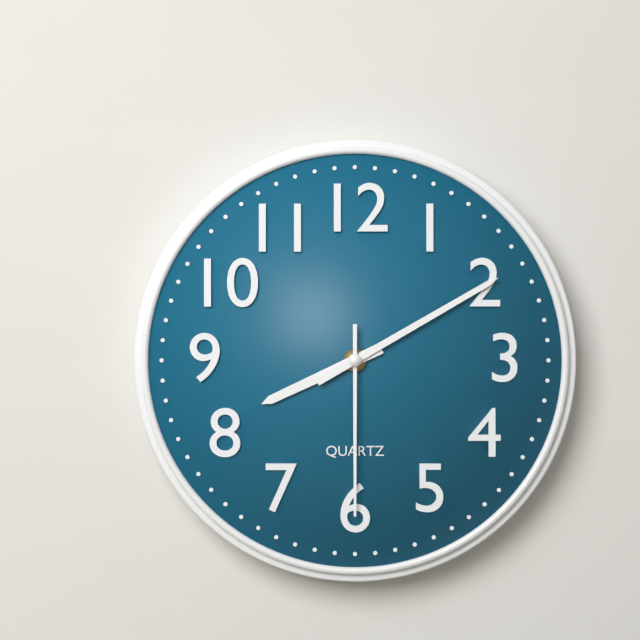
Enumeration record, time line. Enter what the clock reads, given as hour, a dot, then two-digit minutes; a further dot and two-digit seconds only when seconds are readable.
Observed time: 8.10.30
